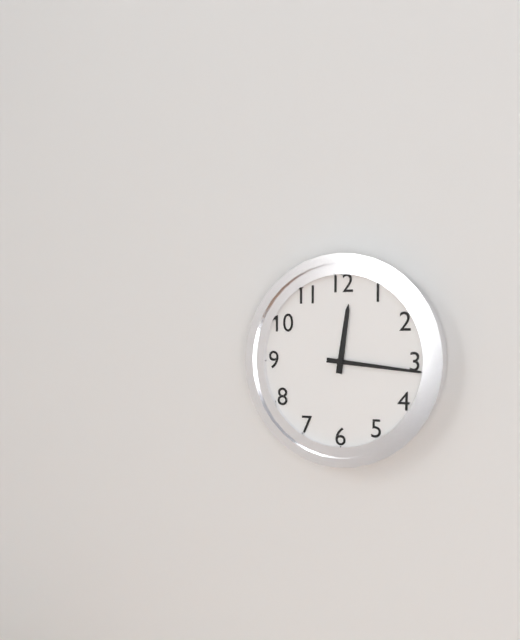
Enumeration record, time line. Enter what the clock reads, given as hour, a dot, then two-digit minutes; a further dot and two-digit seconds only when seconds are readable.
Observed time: 12.16
